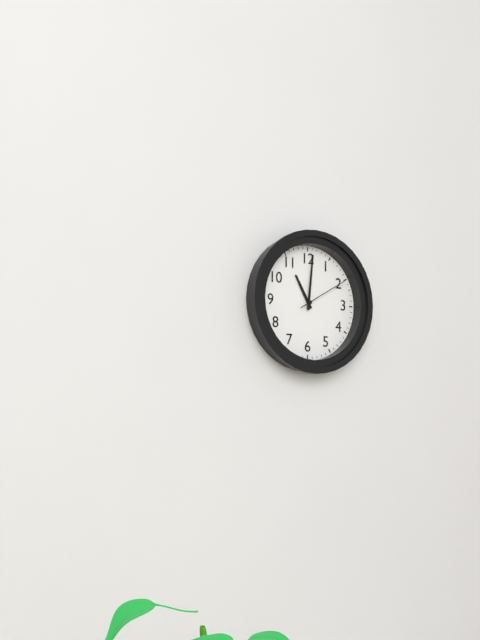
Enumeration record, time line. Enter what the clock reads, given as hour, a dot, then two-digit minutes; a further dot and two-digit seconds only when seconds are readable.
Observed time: 11.01.10
